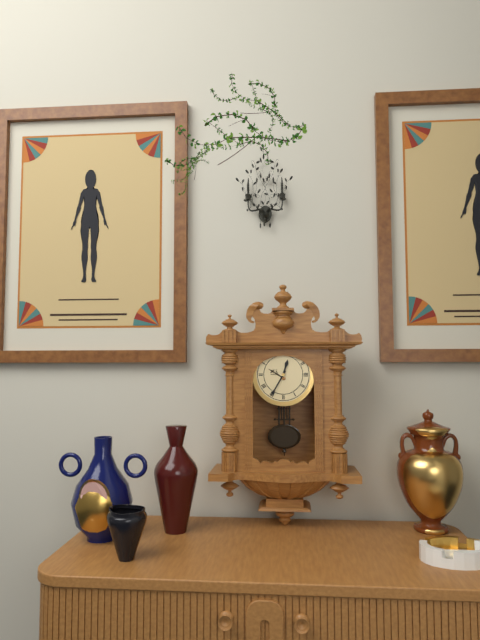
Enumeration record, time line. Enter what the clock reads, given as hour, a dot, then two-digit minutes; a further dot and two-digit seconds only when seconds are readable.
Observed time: 12.35
